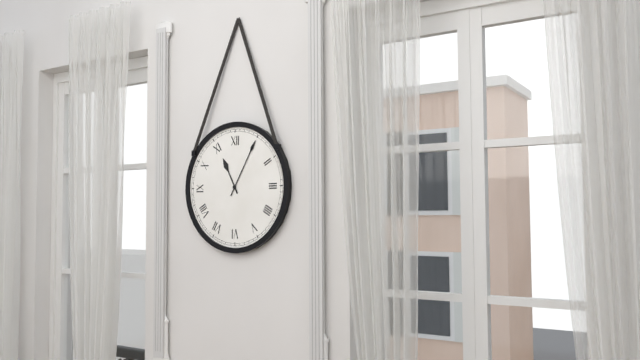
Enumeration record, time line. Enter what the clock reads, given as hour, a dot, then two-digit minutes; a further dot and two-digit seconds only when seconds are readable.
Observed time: 11.05
